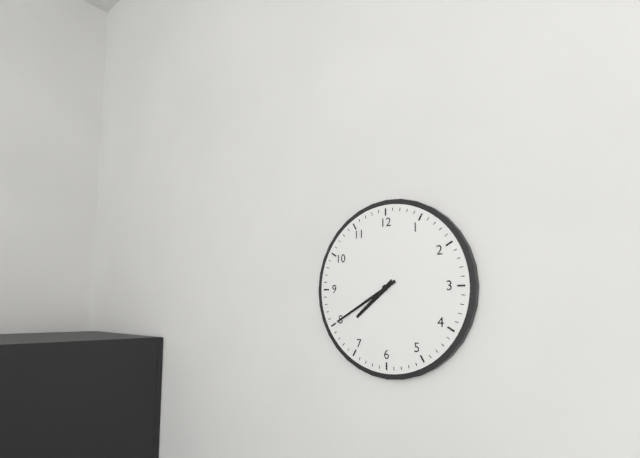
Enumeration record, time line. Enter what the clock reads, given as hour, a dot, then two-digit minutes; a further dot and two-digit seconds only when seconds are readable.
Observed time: 7.40
